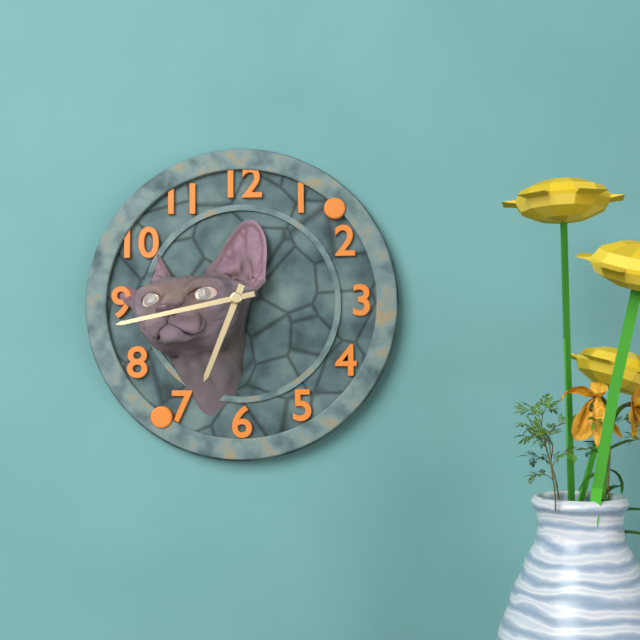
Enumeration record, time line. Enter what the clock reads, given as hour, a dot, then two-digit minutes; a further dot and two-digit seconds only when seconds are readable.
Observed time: 6.43
